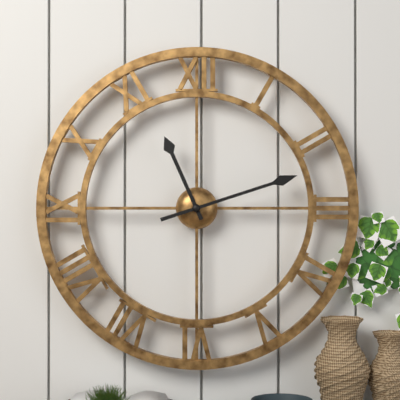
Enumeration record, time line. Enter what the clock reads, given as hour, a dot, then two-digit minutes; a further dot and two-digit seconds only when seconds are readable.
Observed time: 11.12
